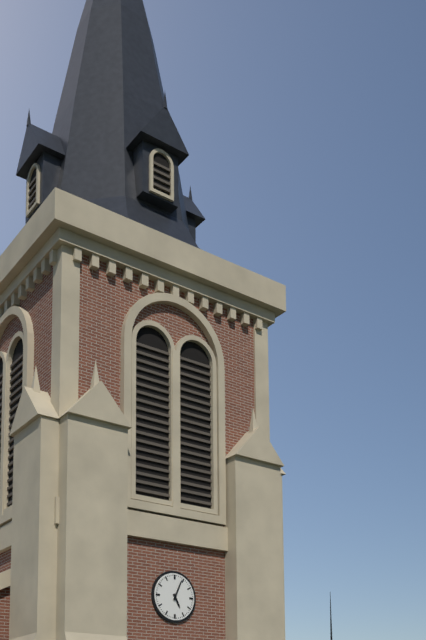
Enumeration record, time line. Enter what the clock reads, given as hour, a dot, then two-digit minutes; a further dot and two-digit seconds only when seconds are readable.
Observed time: 5.04
